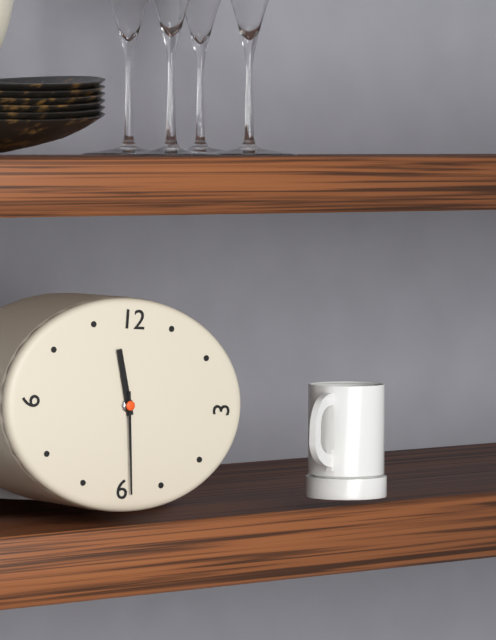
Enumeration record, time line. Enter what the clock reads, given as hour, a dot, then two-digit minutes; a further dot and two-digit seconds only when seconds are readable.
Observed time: 11.29
